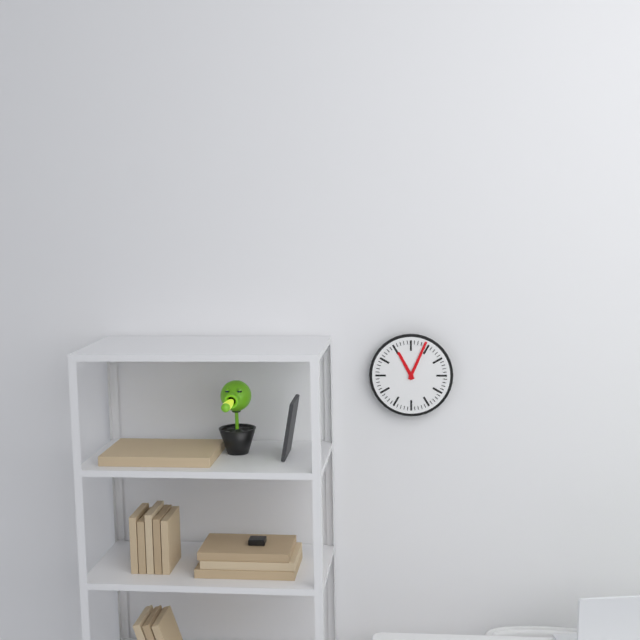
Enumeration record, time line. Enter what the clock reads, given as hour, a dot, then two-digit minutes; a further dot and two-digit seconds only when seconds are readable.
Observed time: 11.04
